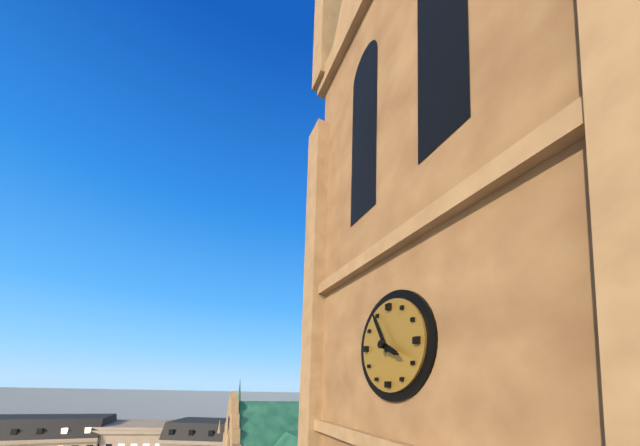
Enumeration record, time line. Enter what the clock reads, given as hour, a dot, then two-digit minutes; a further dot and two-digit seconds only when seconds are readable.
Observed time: 3.55
